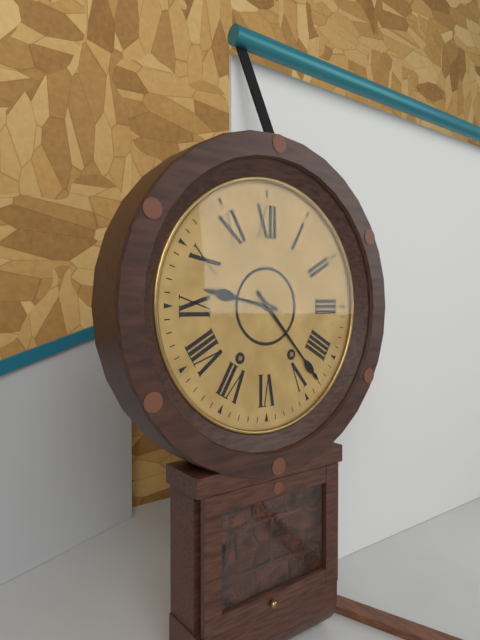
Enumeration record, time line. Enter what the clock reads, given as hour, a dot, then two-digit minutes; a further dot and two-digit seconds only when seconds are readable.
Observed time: 9.23
